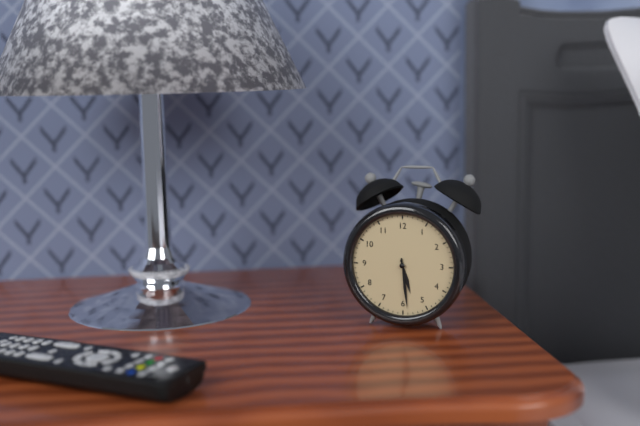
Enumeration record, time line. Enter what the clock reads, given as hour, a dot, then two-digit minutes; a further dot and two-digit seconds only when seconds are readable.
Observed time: 5.29
